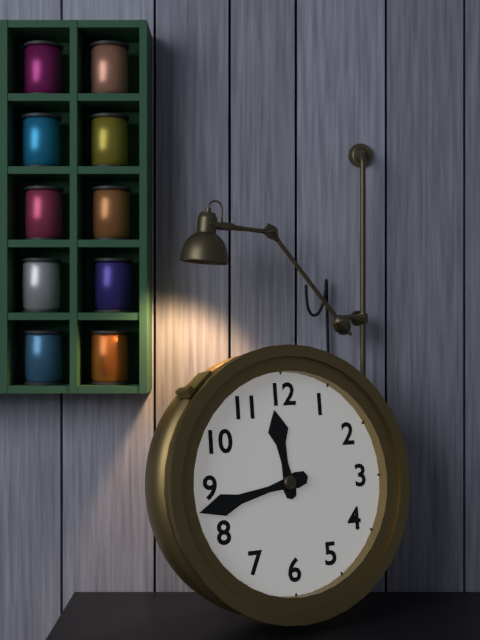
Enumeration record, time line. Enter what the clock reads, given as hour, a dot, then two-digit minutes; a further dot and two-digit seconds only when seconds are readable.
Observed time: 11.43
